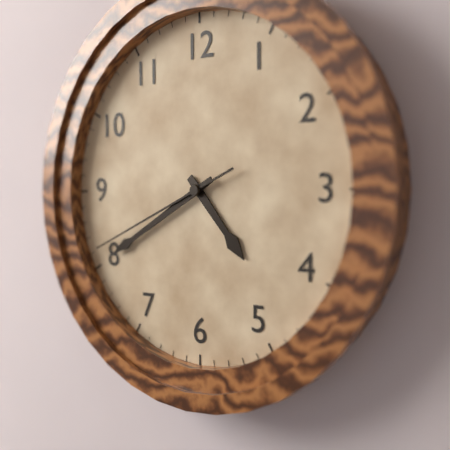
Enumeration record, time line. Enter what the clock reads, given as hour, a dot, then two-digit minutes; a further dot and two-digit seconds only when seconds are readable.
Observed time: 4.40.41
